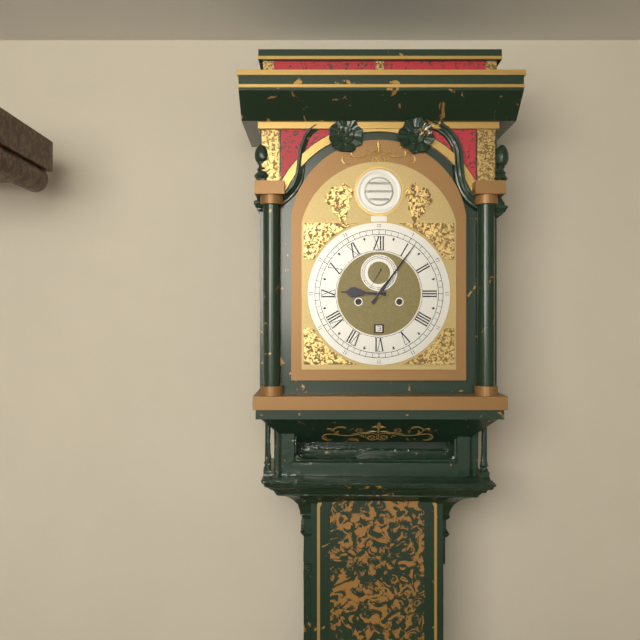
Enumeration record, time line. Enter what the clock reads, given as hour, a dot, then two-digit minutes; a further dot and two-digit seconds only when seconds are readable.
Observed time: 9.06
